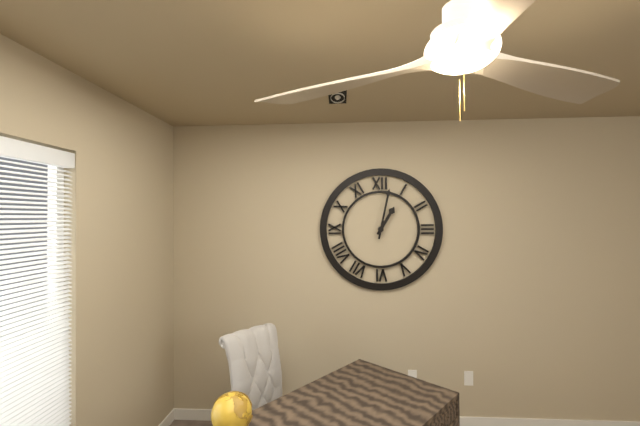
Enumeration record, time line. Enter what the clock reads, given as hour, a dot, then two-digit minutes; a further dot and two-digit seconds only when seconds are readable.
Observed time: 1.02
